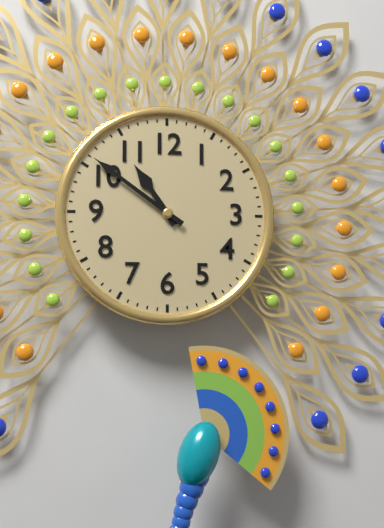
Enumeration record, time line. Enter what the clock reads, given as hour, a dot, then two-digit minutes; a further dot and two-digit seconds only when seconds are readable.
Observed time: 10.51
